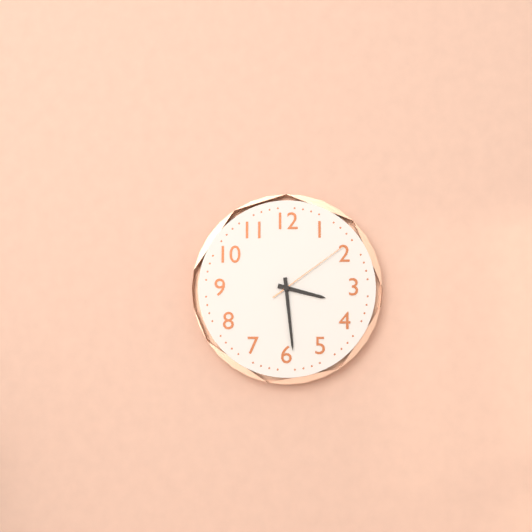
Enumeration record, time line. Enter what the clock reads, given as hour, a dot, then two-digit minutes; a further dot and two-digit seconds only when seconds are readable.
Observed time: 3.29.09
